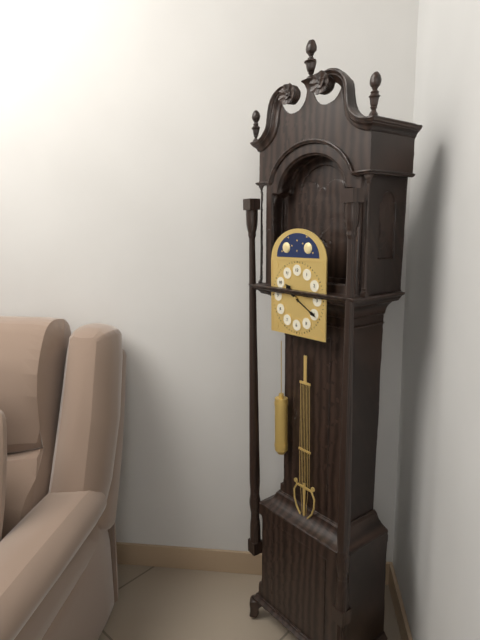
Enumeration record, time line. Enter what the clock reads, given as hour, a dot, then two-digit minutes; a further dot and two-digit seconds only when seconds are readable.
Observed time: 10.20
